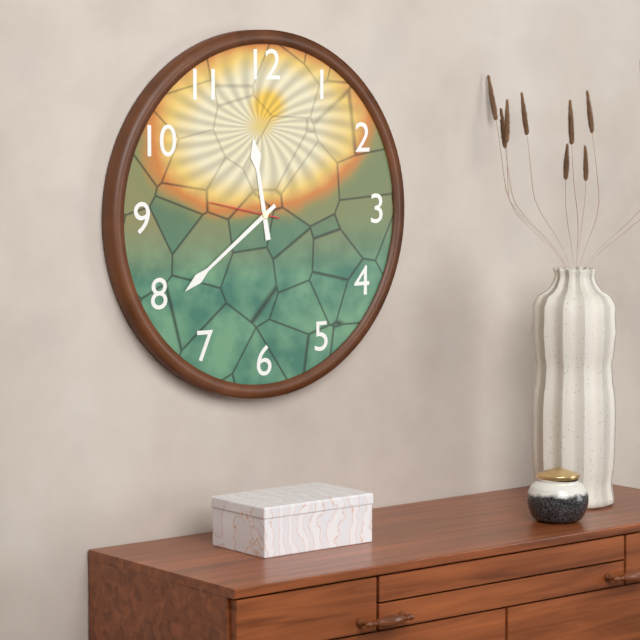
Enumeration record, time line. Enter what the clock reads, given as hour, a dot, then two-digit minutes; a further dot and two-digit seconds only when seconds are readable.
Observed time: 11.39.47
